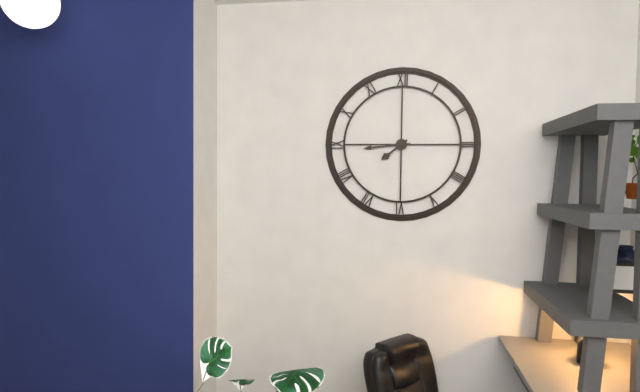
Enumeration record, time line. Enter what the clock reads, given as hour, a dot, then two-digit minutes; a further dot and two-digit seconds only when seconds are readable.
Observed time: 7.44
